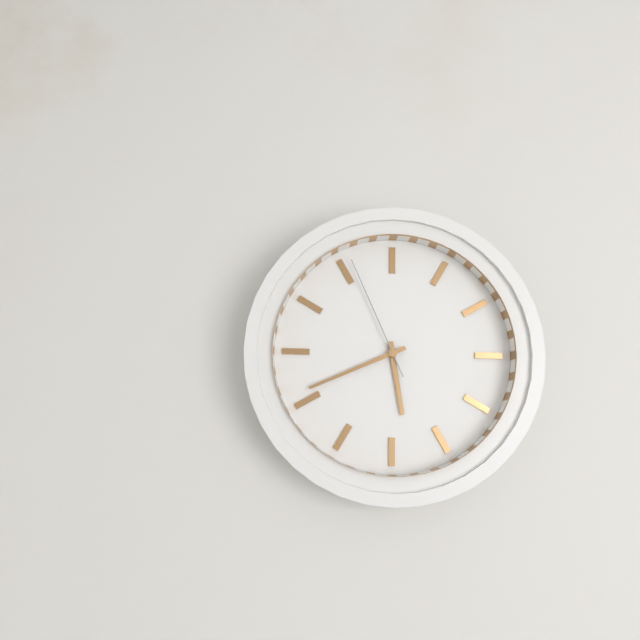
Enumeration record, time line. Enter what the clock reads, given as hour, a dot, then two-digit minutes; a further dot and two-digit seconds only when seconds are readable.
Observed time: 5.41.56
